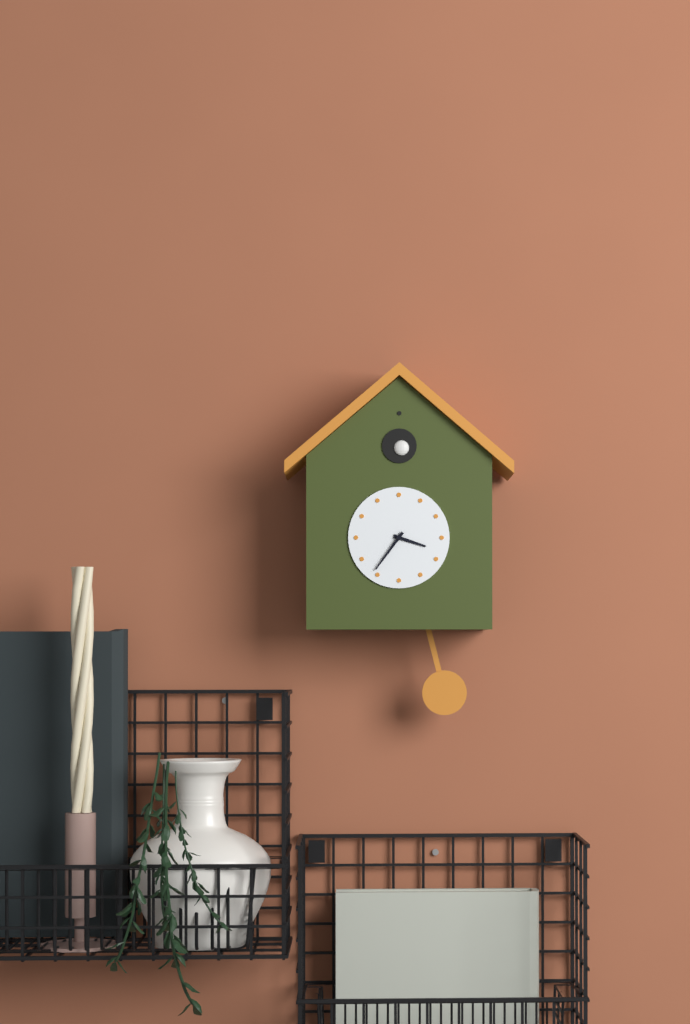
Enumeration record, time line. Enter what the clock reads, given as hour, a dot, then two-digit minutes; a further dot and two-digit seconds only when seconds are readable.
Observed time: 3.36
